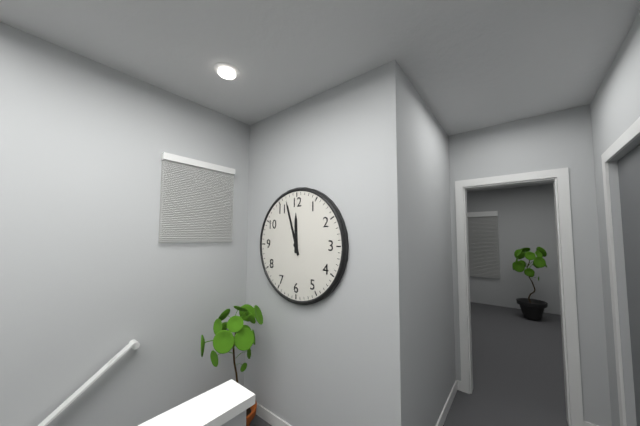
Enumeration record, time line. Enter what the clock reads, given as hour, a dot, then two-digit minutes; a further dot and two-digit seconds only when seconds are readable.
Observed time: 11.57
